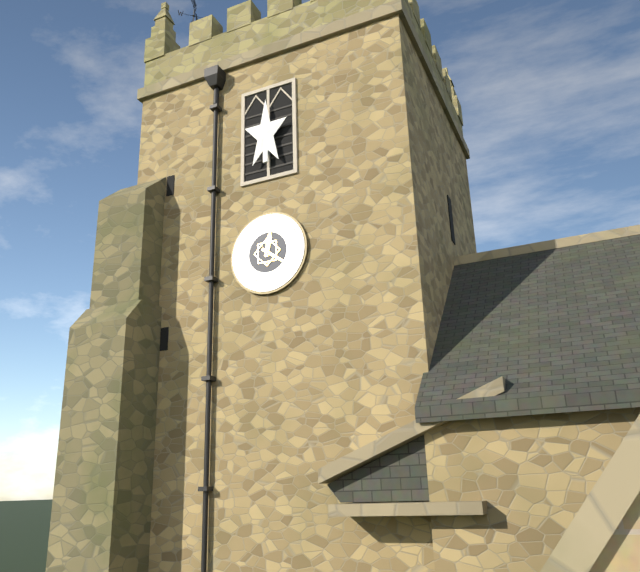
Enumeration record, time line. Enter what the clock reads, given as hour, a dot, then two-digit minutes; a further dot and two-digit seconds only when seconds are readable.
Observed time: 12.21
